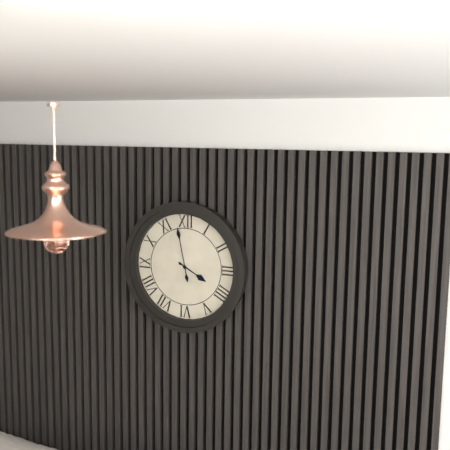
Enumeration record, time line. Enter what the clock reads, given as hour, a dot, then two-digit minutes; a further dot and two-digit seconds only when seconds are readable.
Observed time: 3.58
